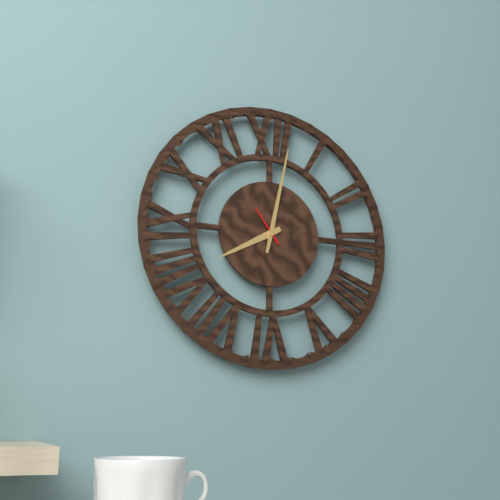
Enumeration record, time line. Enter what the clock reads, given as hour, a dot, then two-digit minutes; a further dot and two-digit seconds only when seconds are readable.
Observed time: 8.02
